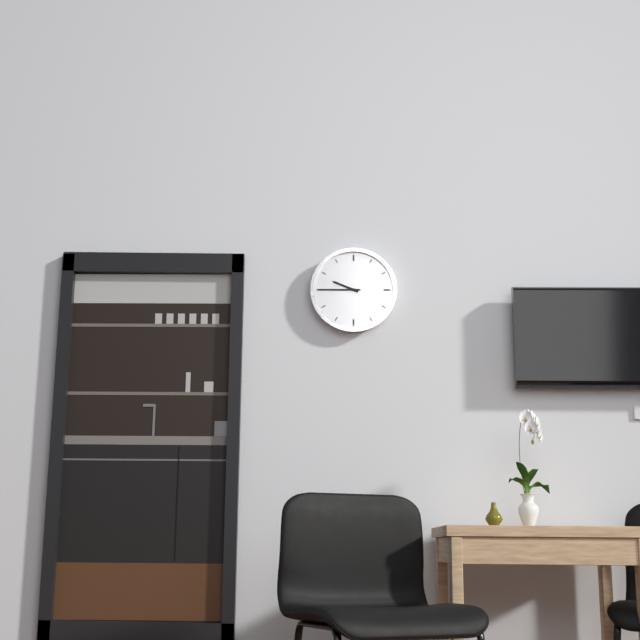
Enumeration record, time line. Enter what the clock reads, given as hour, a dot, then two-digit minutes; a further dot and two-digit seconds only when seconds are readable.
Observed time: 9.45
